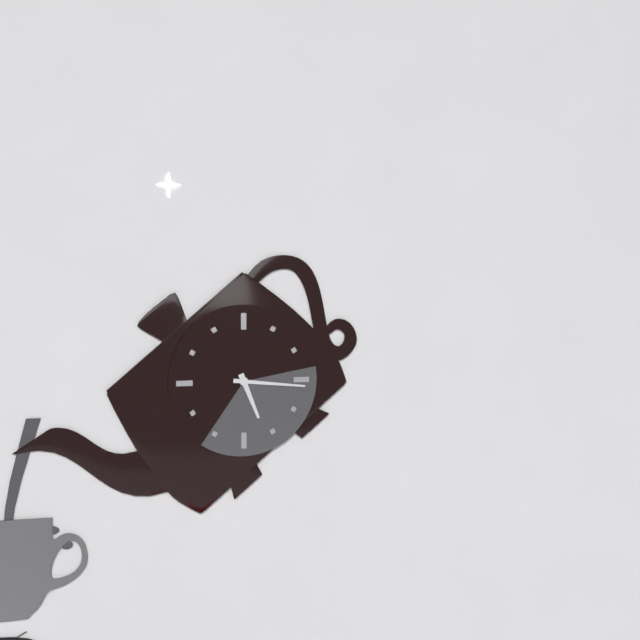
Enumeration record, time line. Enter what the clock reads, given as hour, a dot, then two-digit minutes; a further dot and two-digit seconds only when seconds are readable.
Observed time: 5.16
